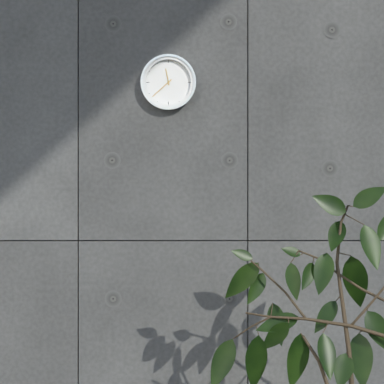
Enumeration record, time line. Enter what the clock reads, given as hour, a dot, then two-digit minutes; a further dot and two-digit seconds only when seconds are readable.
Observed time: 11.38
